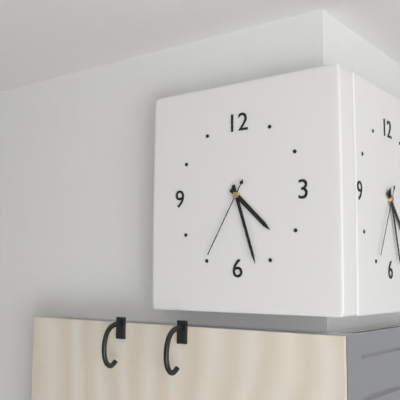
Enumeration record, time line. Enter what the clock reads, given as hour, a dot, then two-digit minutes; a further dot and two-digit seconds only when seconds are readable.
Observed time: 4.27.35
